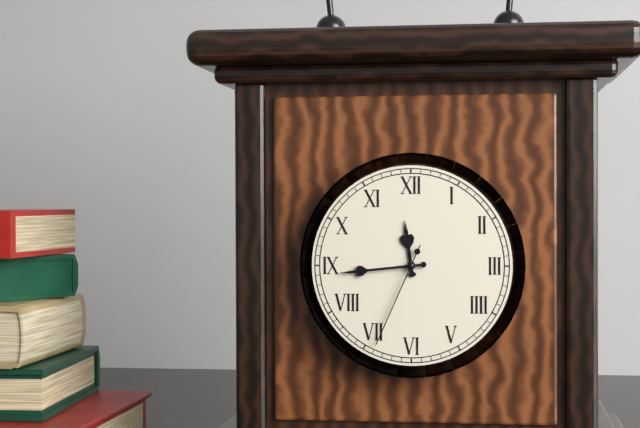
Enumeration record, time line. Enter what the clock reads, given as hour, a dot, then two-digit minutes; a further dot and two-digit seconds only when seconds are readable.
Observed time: 11.44.34
